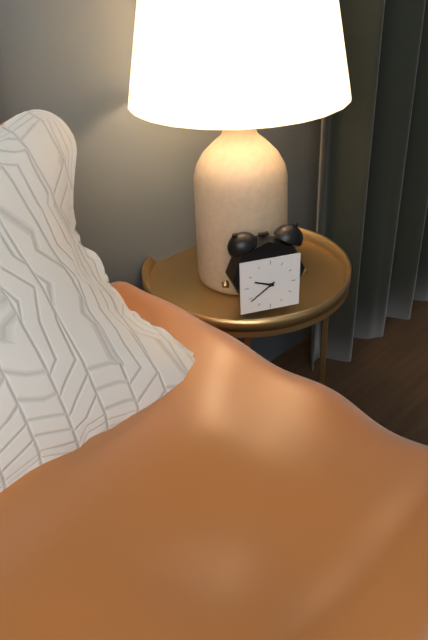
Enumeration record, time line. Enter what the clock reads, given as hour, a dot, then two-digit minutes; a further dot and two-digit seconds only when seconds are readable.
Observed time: 9.39
